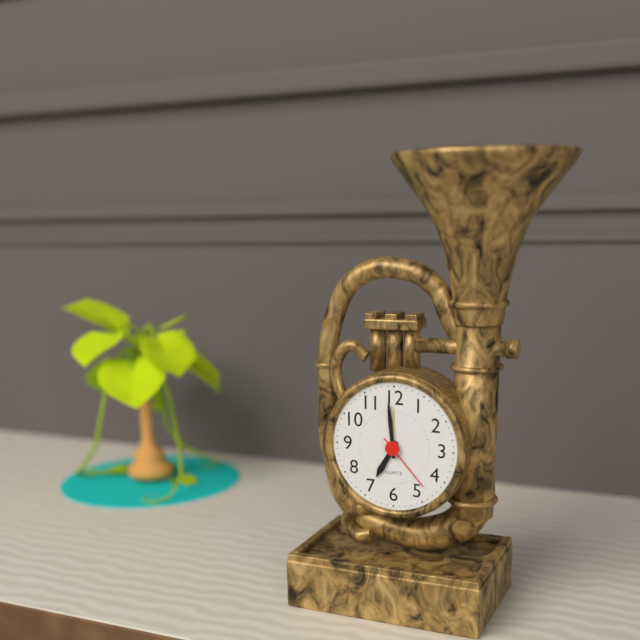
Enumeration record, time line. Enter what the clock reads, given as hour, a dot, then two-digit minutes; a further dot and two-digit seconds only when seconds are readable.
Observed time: 6.59.23
